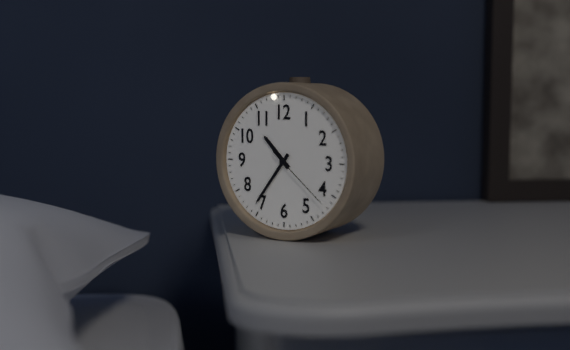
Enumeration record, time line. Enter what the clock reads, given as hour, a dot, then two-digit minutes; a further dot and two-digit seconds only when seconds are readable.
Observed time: 10.36.22
